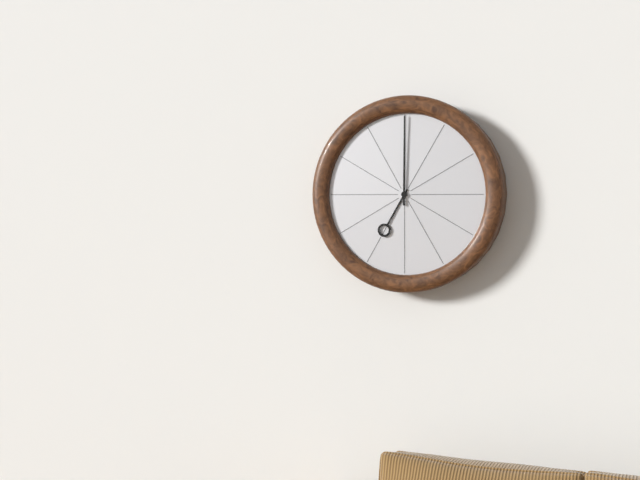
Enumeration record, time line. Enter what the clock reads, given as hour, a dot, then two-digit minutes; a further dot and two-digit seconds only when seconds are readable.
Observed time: 7.00
